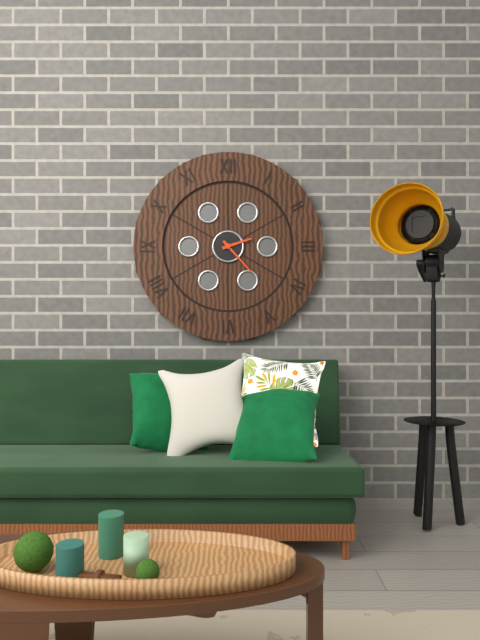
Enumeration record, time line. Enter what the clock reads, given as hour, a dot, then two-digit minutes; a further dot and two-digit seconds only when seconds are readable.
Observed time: 2.23
